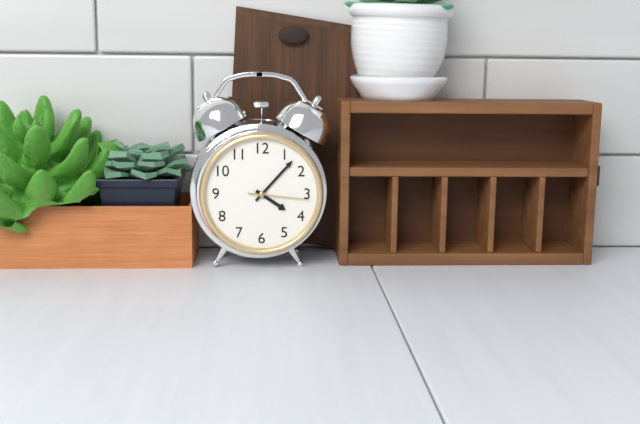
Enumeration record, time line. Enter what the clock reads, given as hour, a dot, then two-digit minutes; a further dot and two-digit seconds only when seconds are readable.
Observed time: 4.07.16
